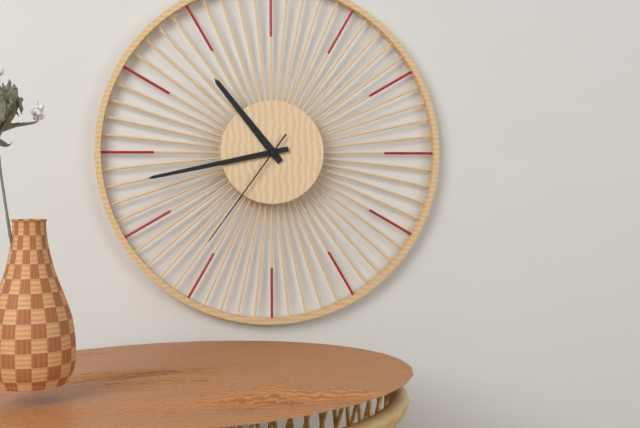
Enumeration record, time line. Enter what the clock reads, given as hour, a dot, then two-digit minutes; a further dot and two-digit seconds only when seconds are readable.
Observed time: 10.43.36
